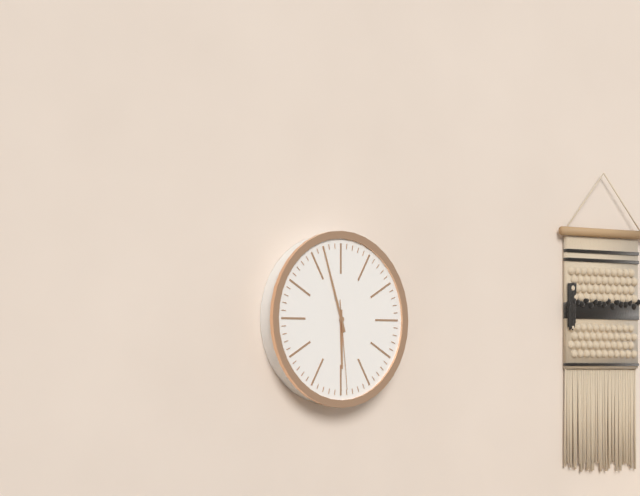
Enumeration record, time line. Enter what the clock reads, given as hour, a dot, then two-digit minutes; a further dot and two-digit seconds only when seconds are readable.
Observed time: 5.57.29
